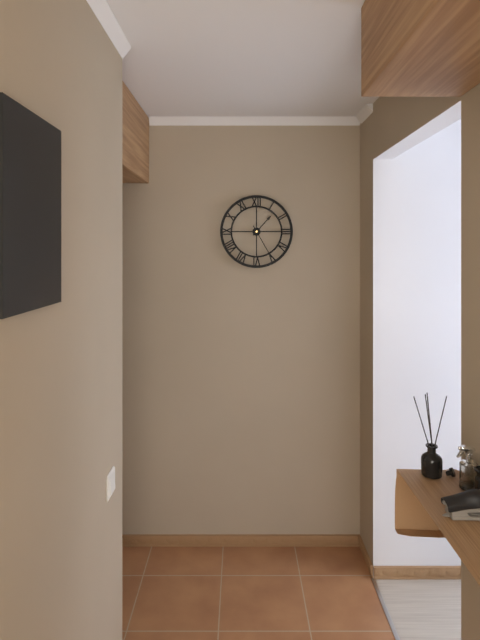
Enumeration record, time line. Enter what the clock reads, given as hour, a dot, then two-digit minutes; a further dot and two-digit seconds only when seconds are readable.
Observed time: 1.25
